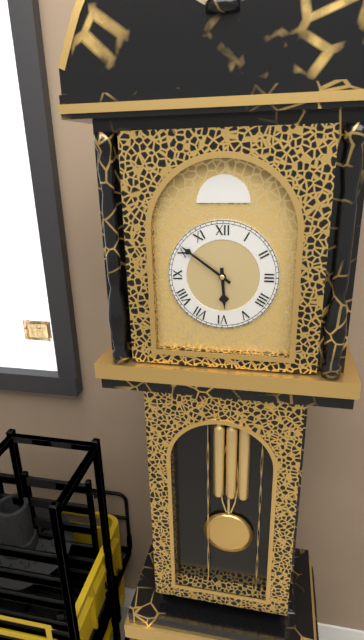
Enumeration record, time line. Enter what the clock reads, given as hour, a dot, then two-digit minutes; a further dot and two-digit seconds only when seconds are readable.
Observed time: 5.51
